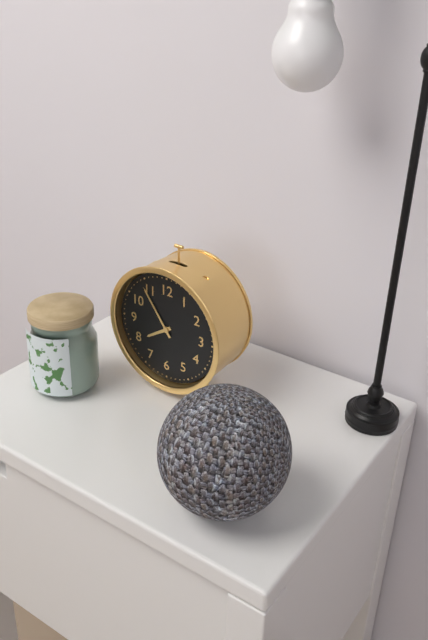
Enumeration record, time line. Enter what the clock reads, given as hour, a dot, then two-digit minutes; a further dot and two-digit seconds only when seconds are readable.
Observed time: 7.54
